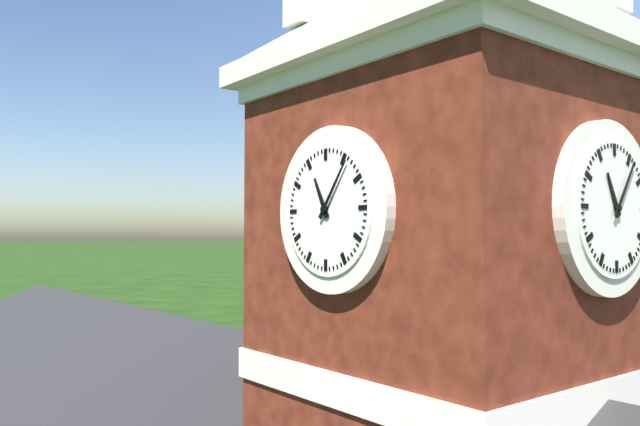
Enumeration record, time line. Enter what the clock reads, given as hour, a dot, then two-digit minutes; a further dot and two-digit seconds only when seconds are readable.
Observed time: 11.06
